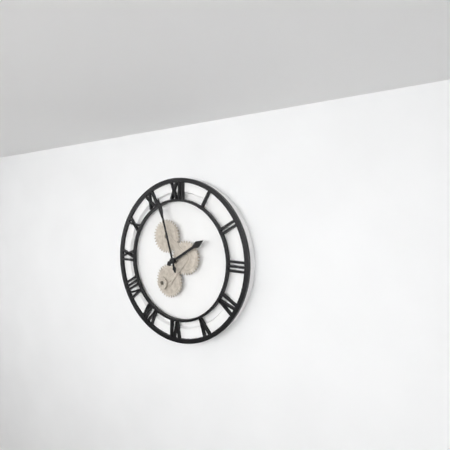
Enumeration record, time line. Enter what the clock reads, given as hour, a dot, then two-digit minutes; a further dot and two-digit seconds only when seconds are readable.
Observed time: 1.57
